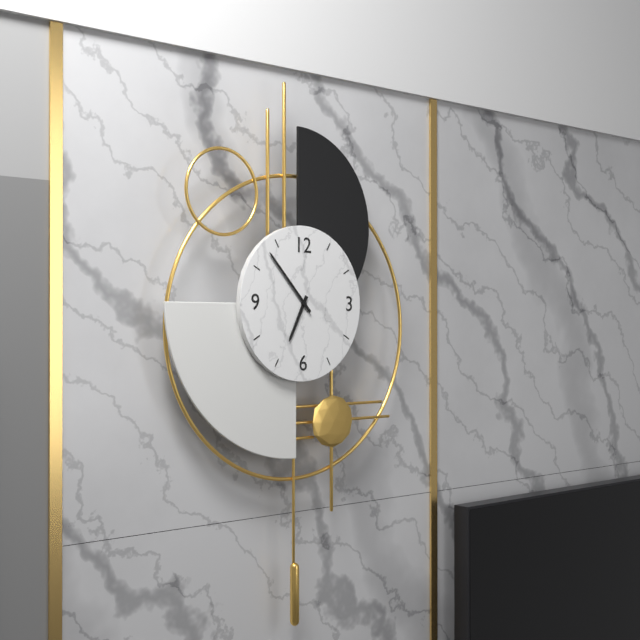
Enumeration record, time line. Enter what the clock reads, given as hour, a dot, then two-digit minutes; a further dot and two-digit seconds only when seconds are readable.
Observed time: 6.53
